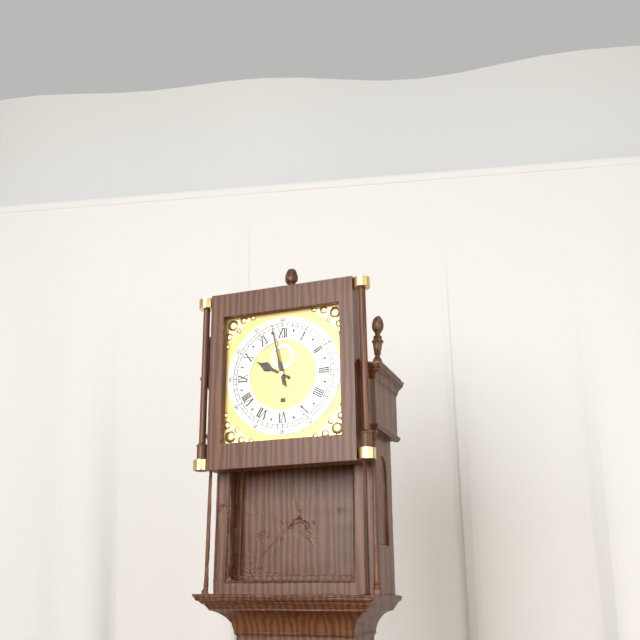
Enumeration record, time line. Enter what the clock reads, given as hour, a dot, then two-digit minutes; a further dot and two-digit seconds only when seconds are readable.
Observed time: 9.58
